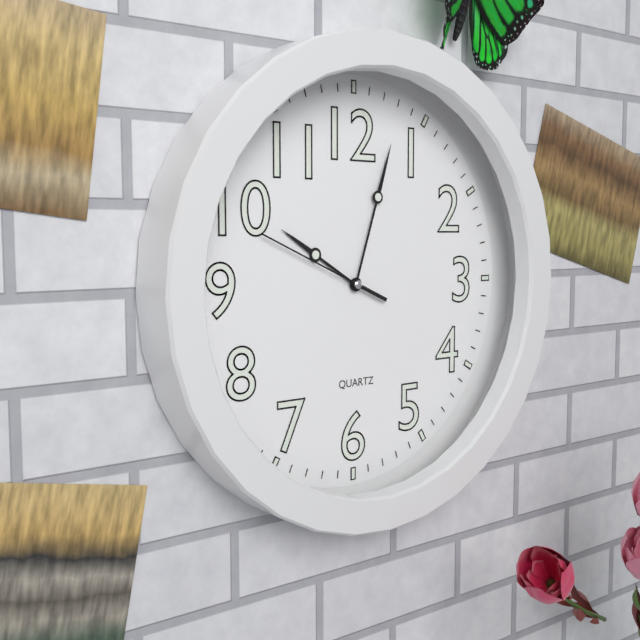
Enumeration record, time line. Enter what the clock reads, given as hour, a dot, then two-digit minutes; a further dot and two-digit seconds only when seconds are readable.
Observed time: 10.03.49
